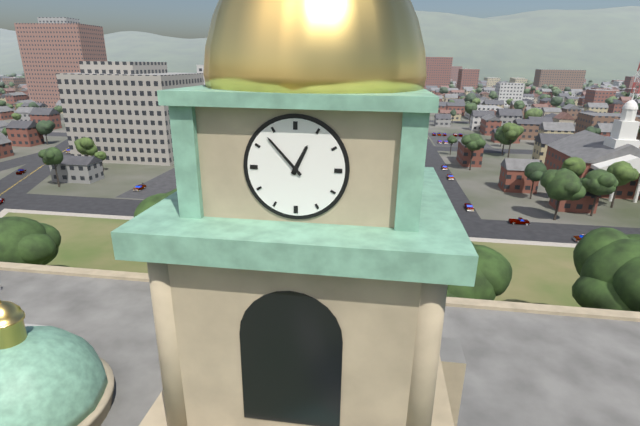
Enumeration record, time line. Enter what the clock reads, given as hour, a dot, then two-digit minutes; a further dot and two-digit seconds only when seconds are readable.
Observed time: 12.53
